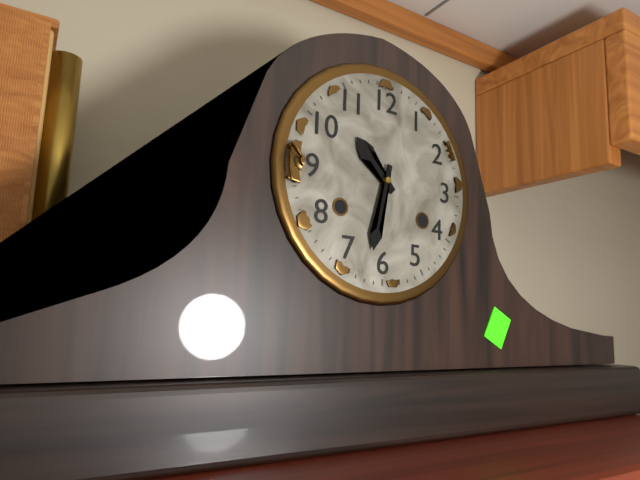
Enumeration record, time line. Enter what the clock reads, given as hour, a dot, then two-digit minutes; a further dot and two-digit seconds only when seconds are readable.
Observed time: 10.32
